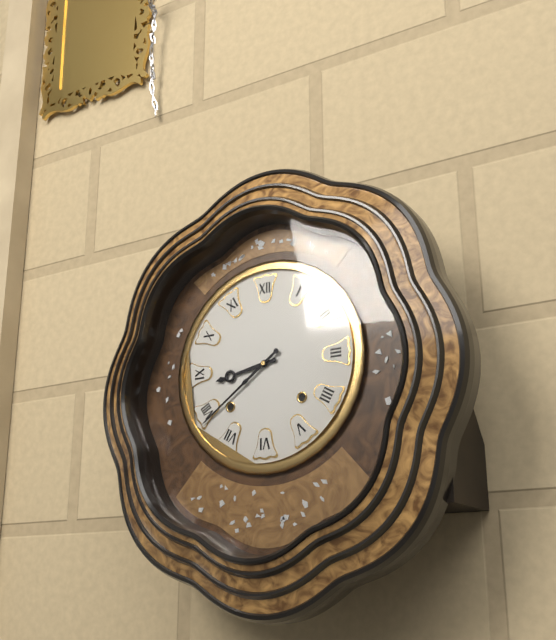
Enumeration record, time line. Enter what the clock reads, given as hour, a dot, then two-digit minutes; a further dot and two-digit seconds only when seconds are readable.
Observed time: 8.39
